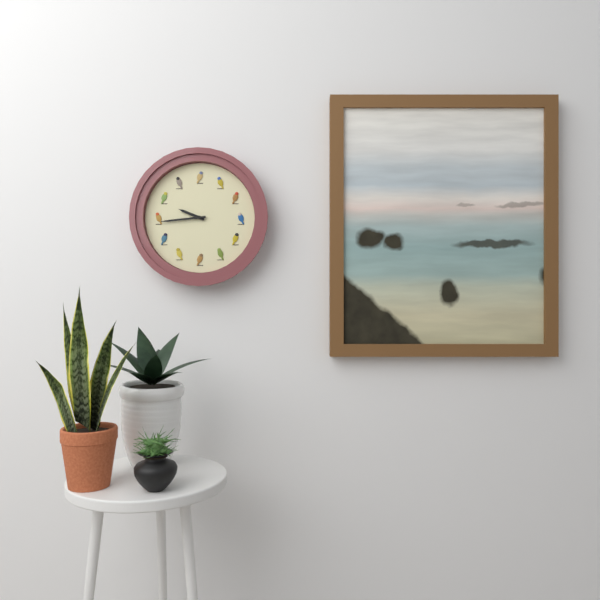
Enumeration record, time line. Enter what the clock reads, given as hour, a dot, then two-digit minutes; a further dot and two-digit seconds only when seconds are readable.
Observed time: 9.44
